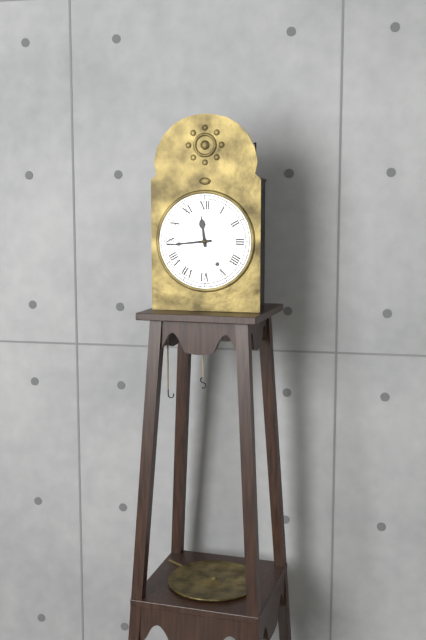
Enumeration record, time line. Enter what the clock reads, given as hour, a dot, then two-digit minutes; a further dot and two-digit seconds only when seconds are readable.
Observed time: 11.44
